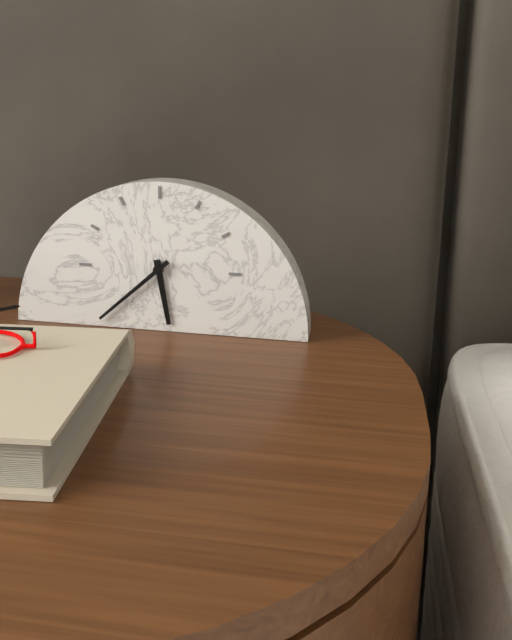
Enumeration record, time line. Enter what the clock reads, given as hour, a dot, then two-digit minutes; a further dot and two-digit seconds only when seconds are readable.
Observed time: 5.38
